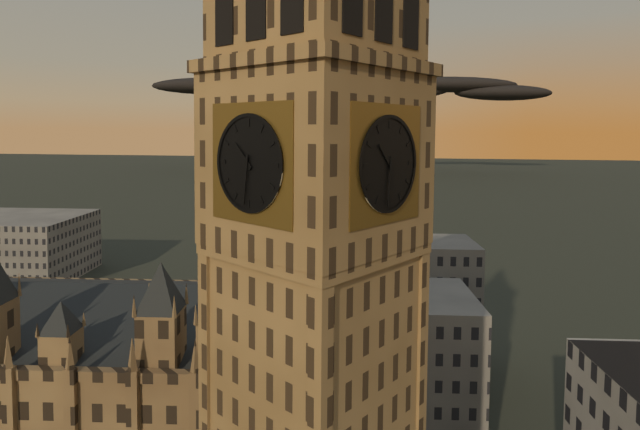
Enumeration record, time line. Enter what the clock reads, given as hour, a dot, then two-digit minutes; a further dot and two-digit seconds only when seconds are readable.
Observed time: 10.31
